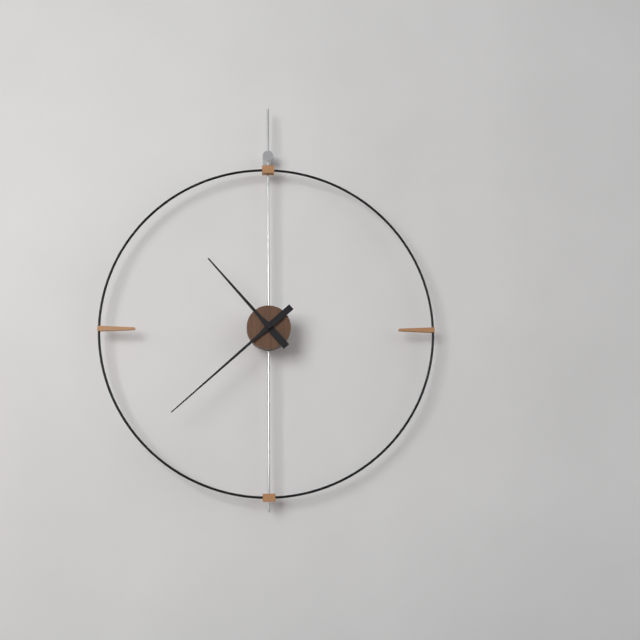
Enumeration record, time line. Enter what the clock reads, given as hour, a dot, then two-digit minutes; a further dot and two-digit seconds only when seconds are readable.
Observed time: 10.38
